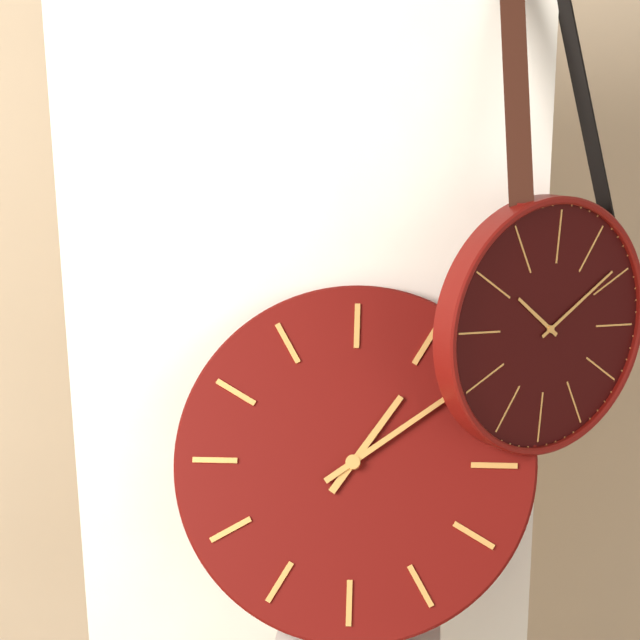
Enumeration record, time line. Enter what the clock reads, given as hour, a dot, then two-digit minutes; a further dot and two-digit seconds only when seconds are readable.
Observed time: 1.09
